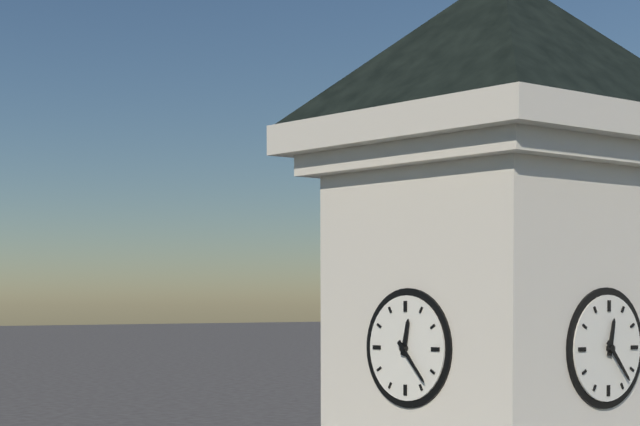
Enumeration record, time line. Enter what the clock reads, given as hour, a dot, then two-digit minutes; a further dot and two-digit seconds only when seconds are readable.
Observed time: 12.23
